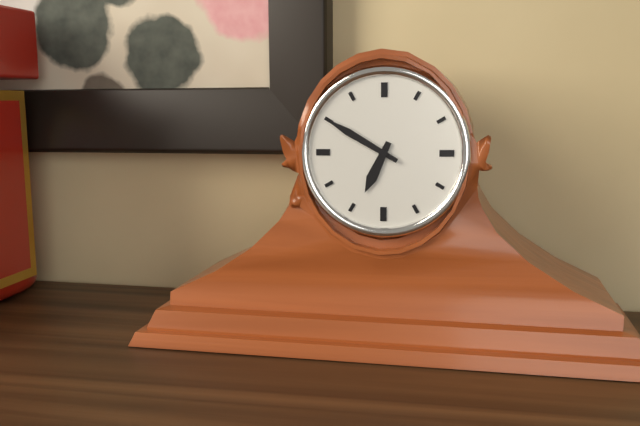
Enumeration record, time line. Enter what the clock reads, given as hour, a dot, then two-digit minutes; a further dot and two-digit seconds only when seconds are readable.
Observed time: 6.50
